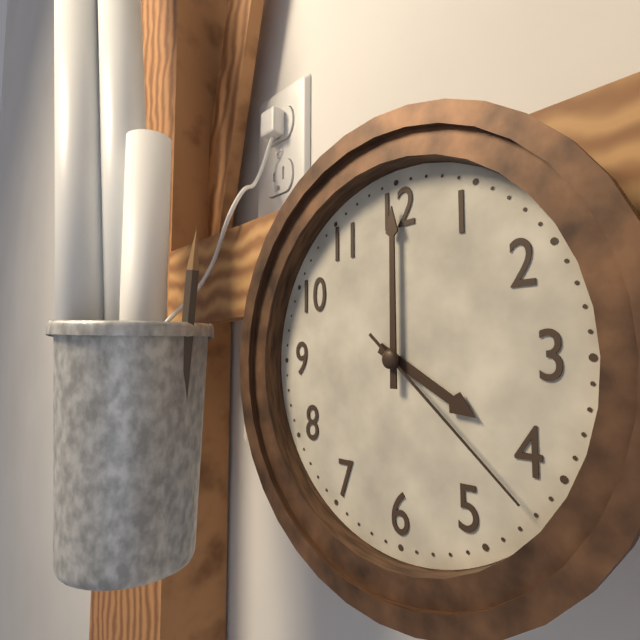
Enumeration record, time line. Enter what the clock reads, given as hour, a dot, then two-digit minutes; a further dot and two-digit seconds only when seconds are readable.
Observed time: 4.00.22
